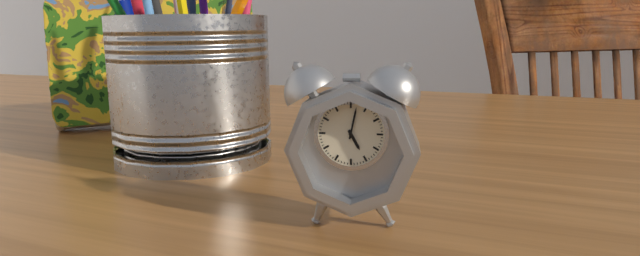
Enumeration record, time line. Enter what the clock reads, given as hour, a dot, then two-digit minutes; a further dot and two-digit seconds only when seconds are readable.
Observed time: 5.02
